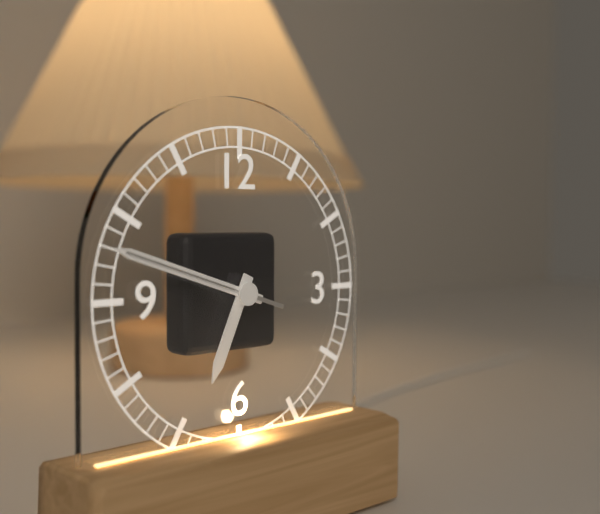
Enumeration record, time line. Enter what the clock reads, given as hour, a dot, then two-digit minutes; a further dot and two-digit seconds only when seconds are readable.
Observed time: 6.48.48
